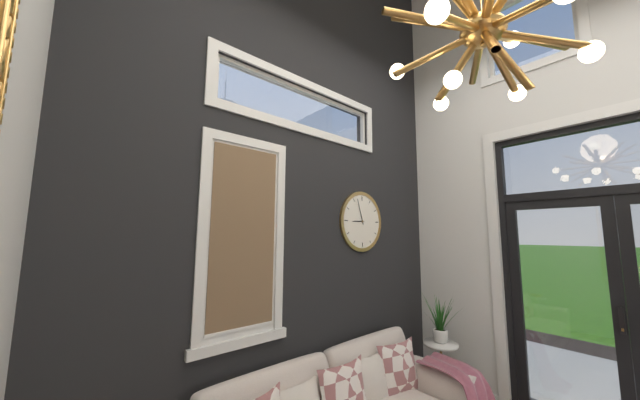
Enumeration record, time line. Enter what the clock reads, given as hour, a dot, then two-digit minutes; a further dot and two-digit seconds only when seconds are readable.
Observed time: 8.57
